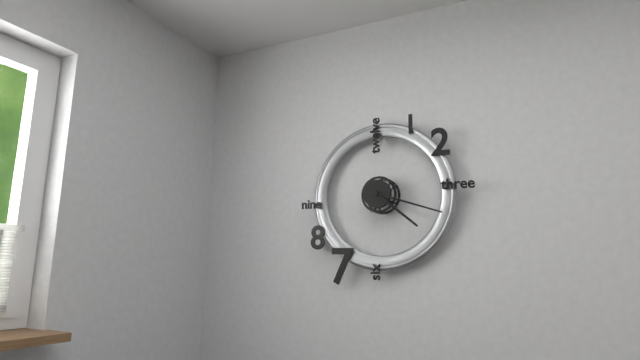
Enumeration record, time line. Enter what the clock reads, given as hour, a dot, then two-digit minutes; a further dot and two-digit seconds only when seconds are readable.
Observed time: 4.18
